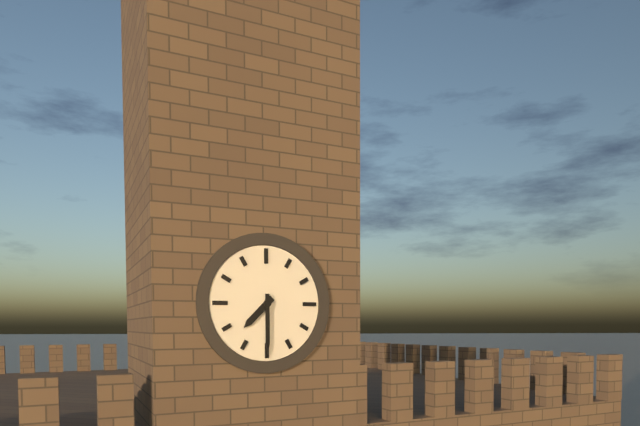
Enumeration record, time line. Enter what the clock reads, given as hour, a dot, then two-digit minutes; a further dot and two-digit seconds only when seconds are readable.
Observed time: 7.30
